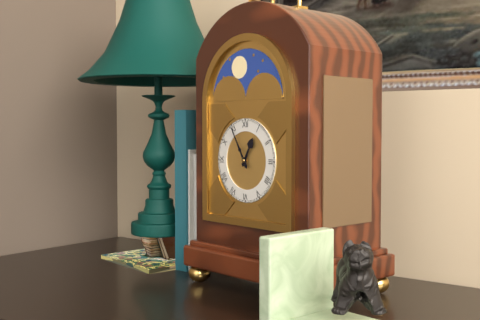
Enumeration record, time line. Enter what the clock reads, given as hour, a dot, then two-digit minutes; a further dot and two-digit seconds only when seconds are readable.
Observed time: 12.55
